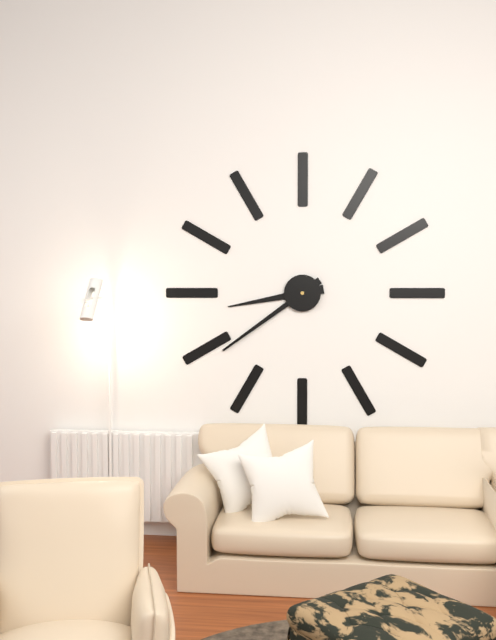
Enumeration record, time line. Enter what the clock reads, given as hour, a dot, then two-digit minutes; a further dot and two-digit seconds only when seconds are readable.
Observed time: 8.39
